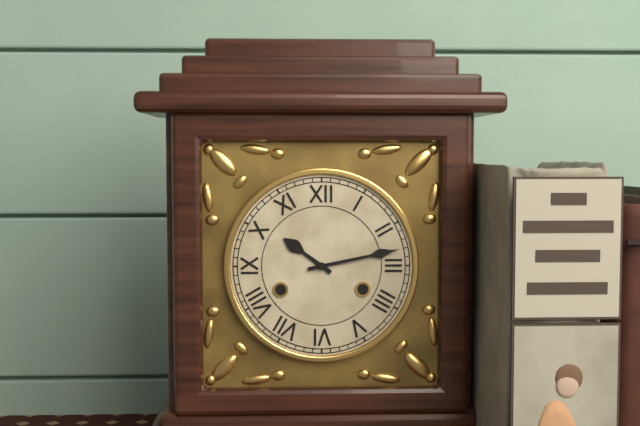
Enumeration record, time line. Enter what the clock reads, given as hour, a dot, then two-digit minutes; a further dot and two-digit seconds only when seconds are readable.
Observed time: 10.13
